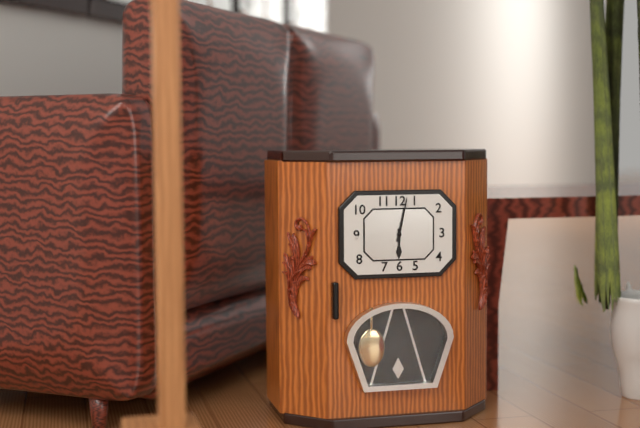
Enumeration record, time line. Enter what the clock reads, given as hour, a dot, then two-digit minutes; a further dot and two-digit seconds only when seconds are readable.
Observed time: 6.02
